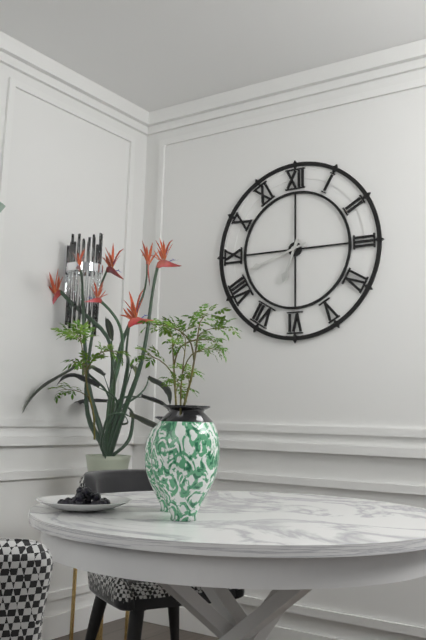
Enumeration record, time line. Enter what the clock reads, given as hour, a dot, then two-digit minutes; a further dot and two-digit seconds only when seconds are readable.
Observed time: 6.42
